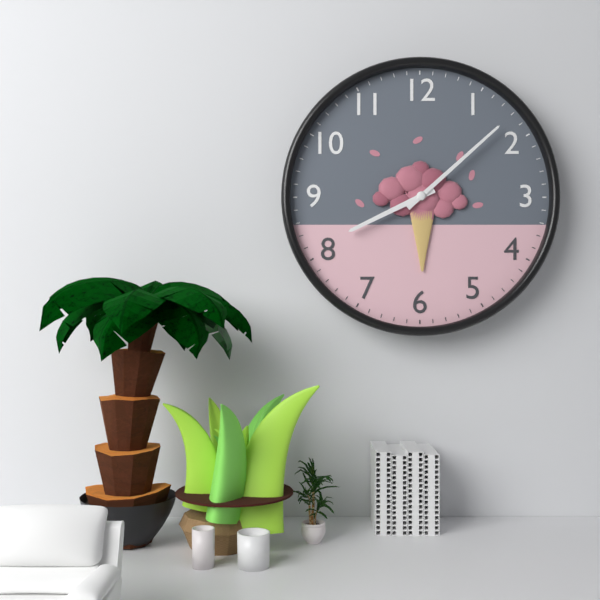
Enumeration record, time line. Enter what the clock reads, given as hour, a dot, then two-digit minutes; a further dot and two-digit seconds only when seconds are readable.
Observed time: 8.08
